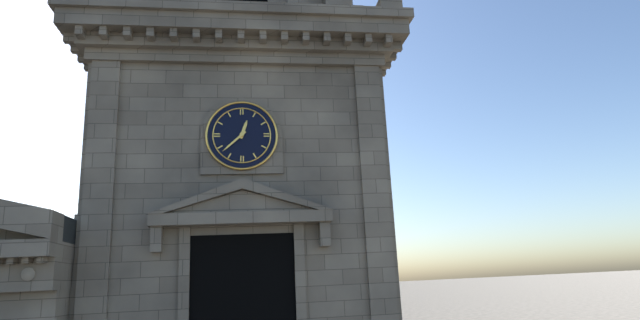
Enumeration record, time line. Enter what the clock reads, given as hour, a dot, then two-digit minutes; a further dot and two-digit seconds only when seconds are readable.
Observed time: 12.38
